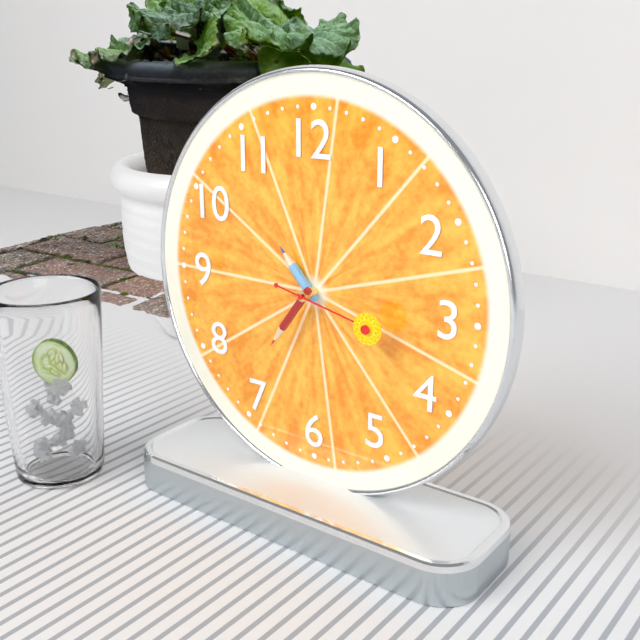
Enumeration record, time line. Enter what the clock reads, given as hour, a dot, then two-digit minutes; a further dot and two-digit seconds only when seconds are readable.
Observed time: 10.36.17
